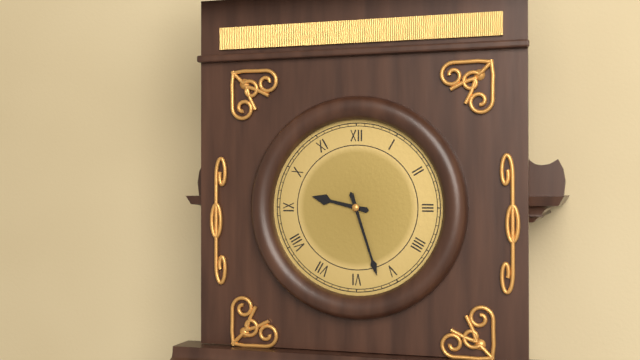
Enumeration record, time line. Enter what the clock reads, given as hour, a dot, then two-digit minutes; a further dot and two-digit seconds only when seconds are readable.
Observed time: 9.27
